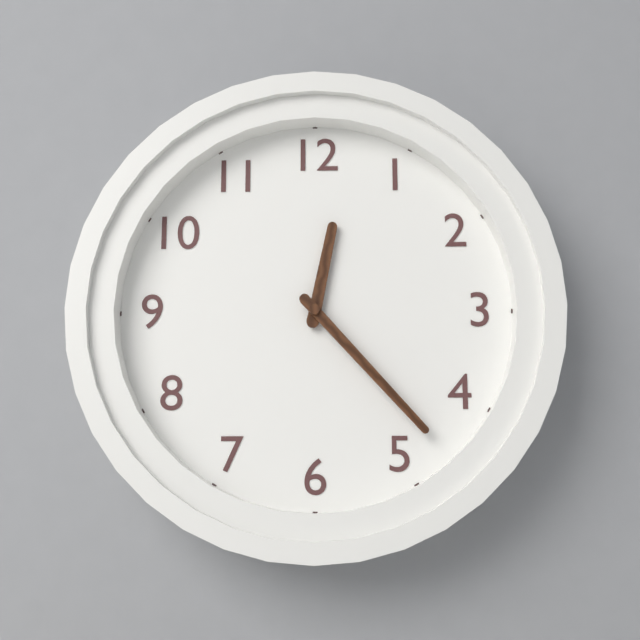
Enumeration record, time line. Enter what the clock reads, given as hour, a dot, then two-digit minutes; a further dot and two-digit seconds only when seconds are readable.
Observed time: 12.23
